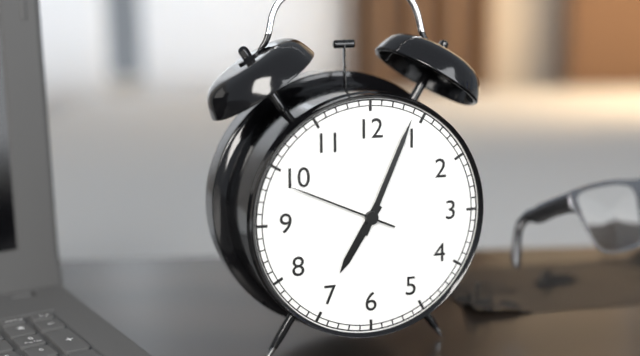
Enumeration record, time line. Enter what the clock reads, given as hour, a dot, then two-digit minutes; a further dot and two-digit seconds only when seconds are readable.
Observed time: 7.04.49
